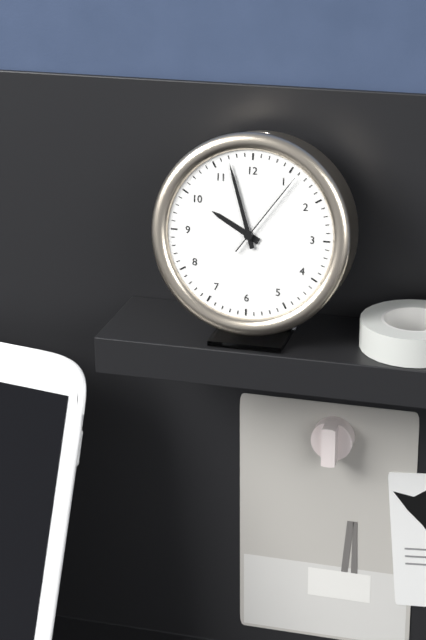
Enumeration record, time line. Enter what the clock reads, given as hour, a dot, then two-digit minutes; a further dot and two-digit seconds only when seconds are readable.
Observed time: 9.57.06
